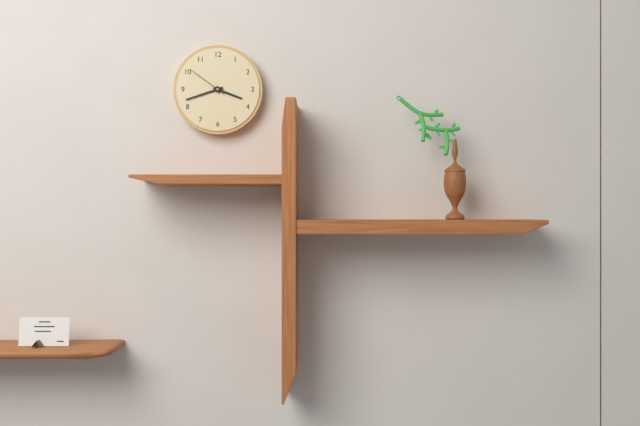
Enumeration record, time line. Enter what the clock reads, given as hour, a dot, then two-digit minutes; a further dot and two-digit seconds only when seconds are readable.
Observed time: 3.42
